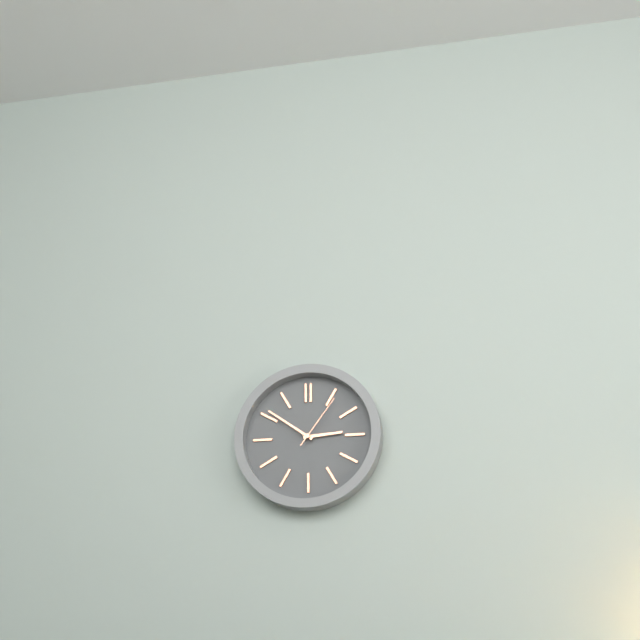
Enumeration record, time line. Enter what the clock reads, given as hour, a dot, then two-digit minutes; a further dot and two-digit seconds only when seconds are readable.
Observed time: 2.51.06
